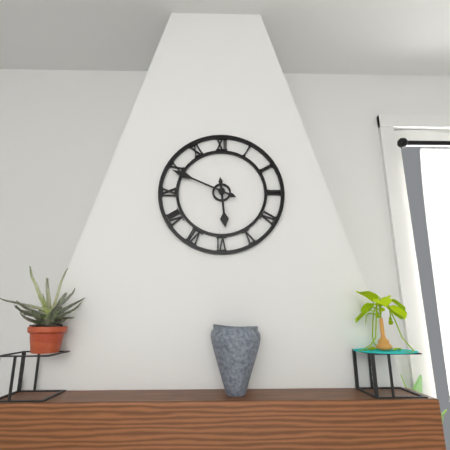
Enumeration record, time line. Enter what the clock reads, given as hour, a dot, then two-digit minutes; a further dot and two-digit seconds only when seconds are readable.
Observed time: 5.49
